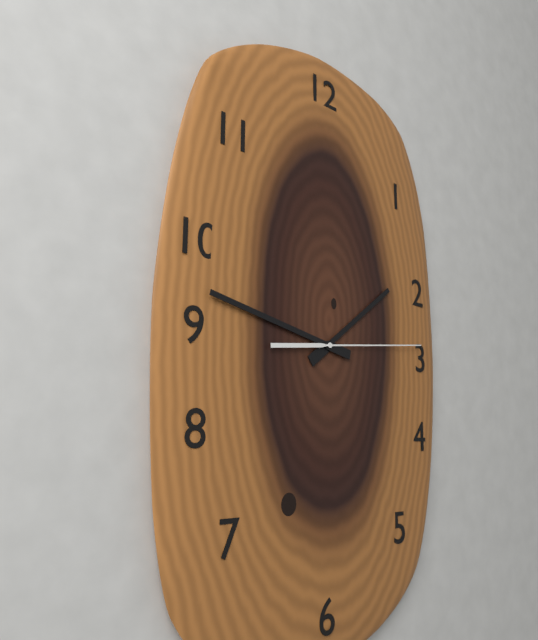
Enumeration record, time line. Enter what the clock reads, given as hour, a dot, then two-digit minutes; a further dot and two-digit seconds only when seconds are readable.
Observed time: 1.47.14
